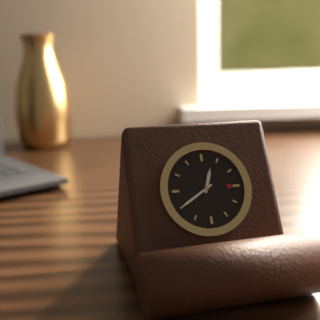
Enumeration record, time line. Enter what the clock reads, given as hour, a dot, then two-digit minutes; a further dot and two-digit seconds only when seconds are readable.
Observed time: 12.40
